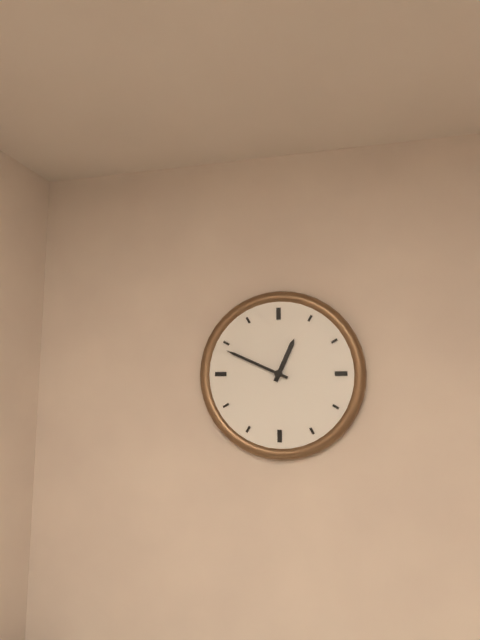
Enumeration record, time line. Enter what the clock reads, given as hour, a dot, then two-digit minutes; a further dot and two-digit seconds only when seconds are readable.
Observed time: 12.49
